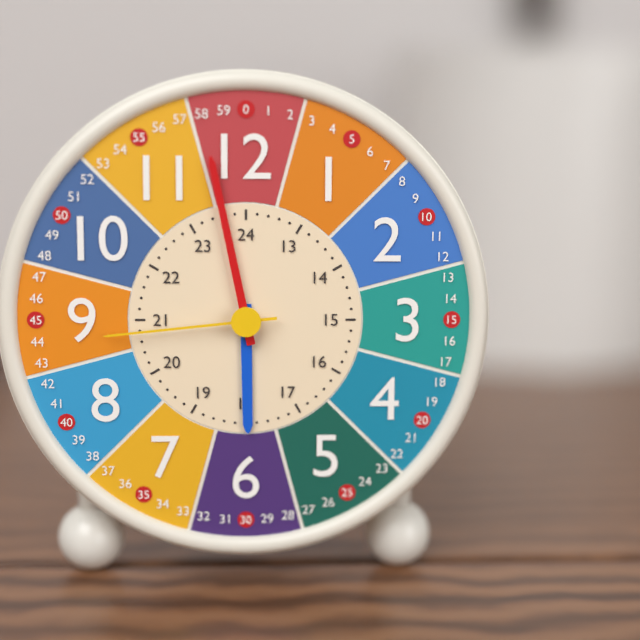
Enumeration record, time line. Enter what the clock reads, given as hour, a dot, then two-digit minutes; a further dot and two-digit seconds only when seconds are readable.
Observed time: 5.58.44
